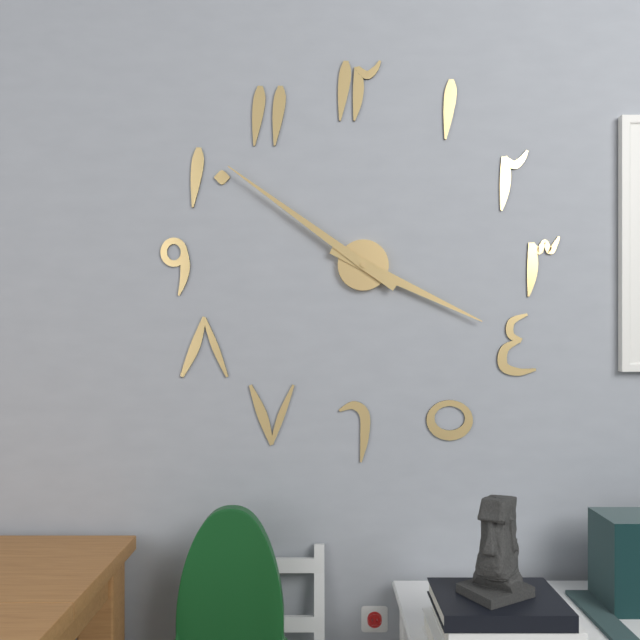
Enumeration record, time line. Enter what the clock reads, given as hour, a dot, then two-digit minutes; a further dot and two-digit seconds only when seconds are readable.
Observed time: 3.51
